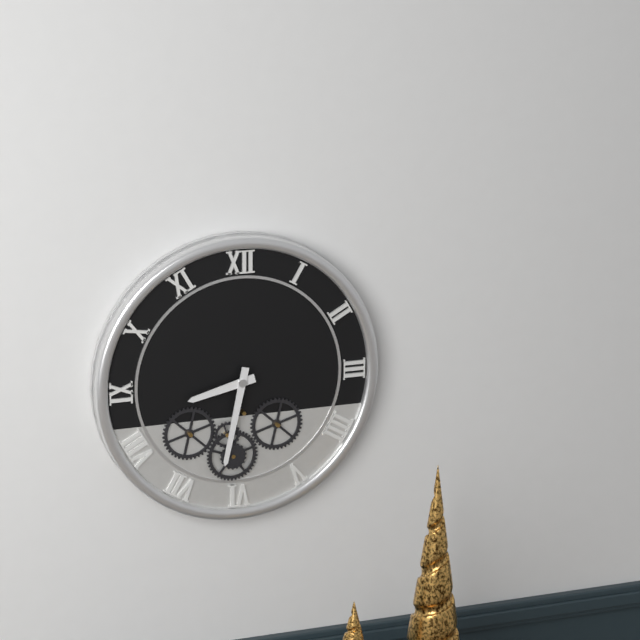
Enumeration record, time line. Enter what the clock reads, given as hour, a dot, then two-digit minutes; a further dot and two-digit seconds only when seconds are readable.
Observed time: 8.32
